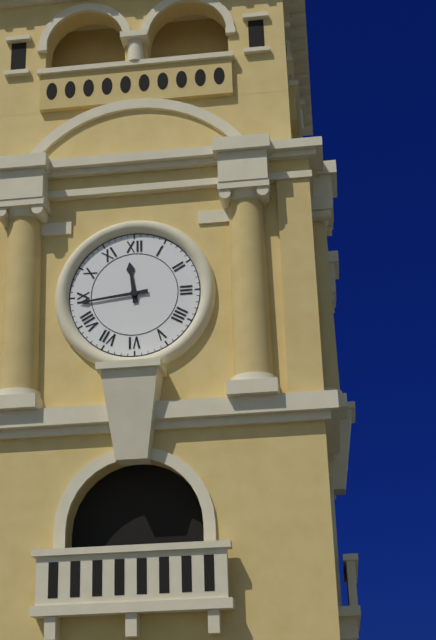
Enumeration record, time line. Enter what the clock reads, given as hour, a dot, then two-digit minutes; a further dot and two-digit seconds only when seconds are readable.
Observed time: 11.44
